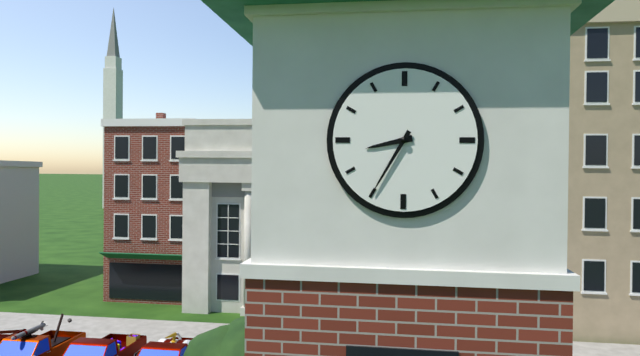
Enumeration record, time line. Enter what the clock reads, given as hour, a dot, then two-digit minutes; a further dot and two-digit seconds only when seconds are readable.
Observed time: 8.35
